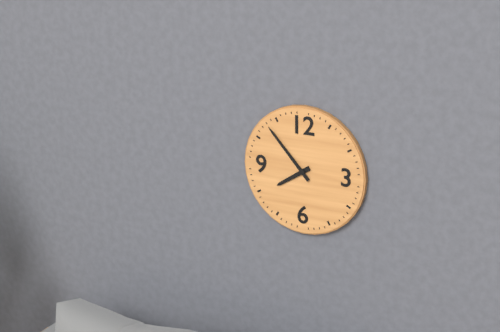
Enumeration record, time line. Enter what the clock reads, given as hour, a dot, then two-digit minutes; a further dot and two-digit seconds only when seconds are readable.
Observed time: 7.53
